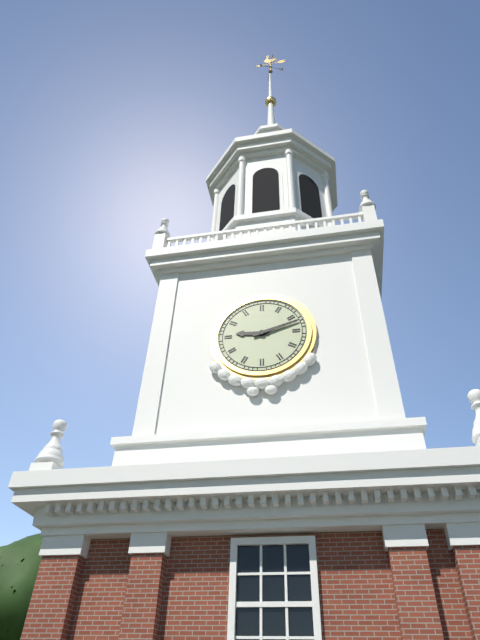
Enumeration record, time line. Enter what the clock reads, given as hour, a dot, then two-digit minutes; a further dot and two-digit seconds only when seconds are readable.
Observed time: 9.12
